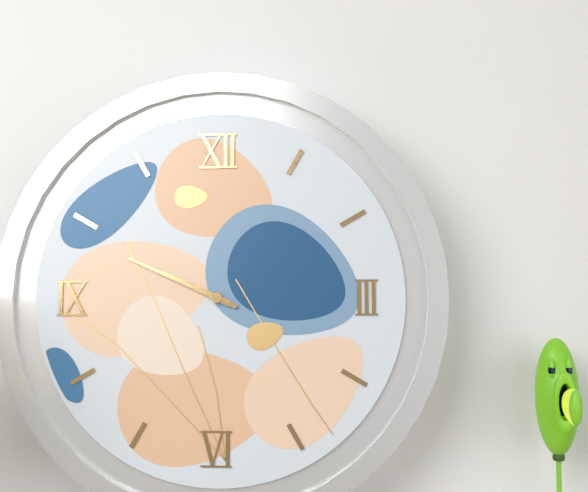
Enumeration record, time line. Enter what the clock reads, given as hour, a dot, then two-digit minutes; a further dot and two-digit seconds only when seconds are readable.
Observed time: 9.49
